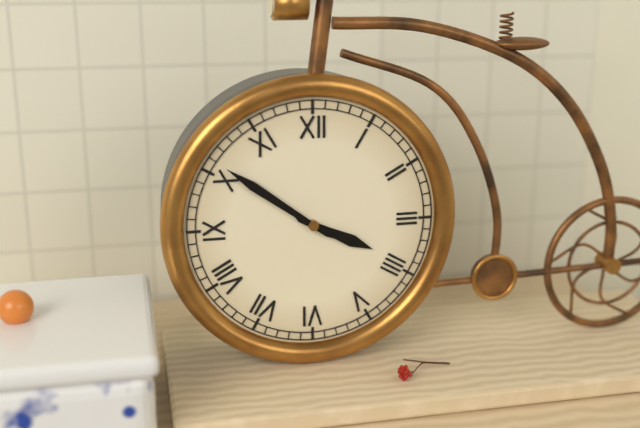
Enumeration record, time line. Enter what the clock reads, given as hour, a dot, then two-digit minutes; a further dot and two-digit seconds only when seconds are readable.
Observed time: 3.51
